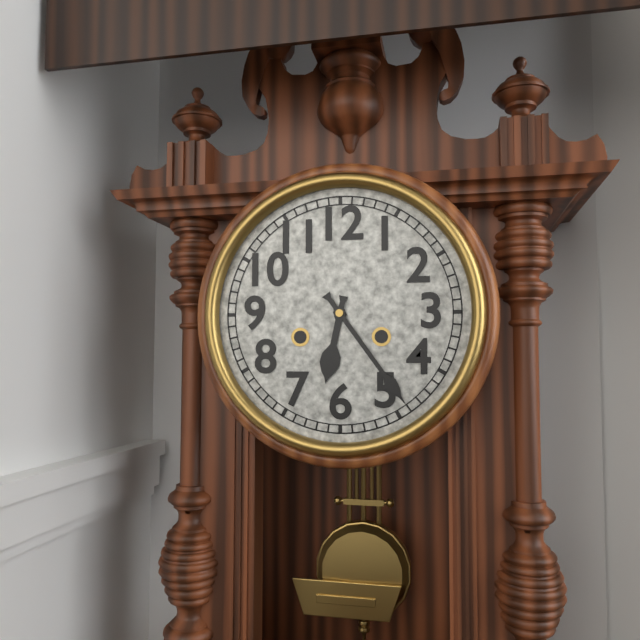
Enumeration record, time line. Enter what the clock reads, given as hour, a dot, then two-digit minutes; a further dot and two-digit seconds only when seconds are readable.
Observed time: 6.24
